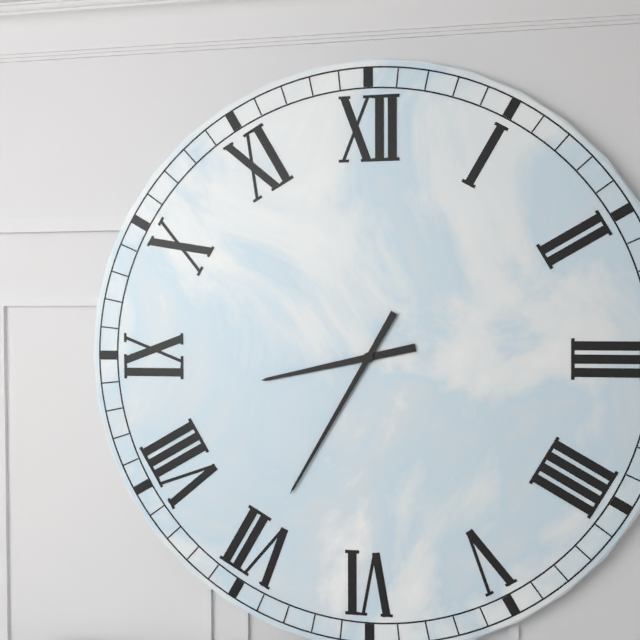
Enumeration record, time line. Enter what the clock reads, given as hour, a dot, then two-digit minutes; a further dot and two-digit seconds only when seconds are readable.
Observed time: 8.35
